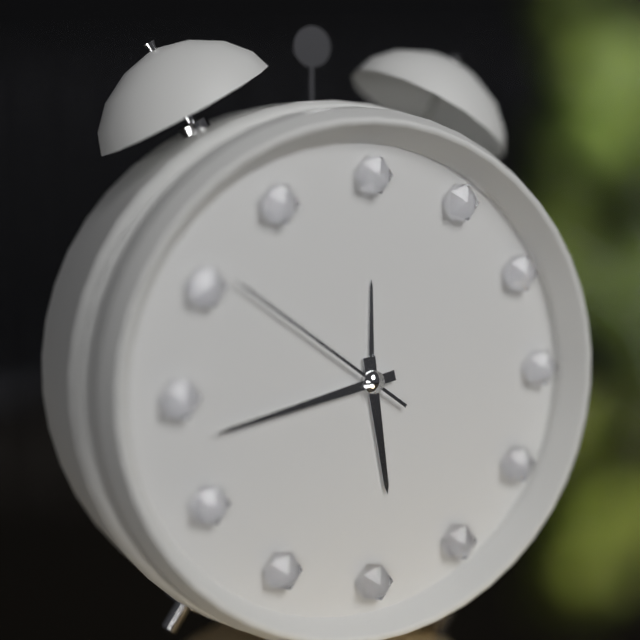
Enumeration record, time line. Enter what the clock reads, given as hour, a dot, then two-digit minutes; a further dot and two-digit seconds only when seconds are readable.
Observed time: 5.43.51
